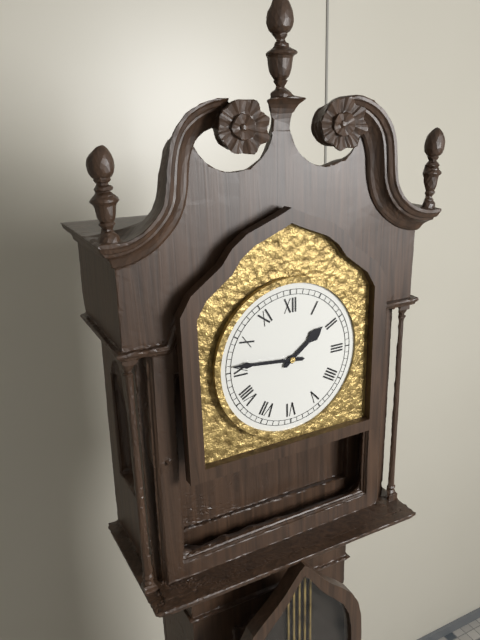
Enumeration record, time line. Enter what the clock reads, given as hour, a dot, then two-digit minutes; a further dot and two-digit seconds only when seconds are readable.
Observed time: 1.46
